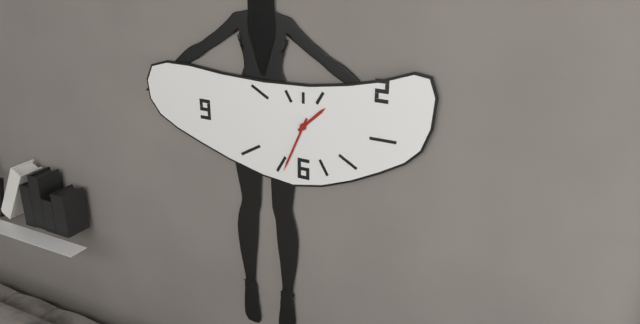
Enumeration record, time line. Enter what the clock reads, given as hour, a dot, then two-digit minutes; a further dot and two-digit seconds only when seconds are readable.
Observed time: 1.34
